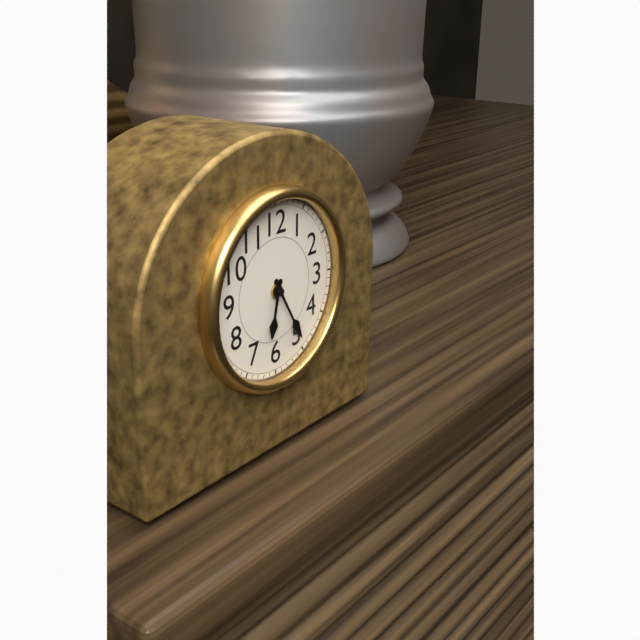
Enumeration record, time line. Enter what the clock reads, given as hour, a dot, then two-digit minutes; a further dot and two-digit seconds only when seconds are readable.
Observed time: 6.25
